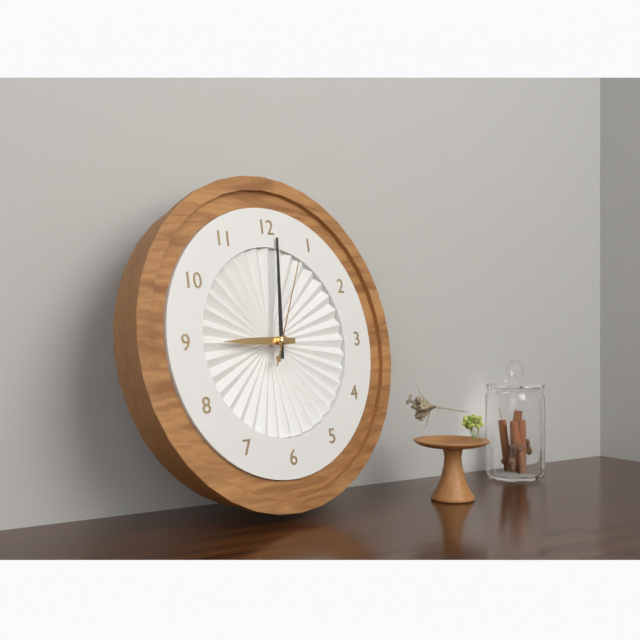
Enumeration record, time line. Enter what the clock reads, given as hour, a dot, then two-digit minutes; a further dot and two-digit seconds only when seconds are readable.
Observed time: 9.01.04
